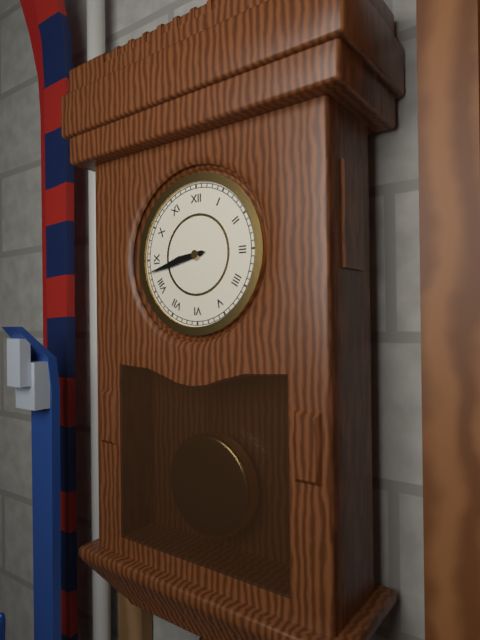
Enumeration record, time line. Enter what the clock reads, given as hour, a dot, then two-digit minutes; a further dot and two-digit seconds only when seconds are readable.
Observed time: 8.43
